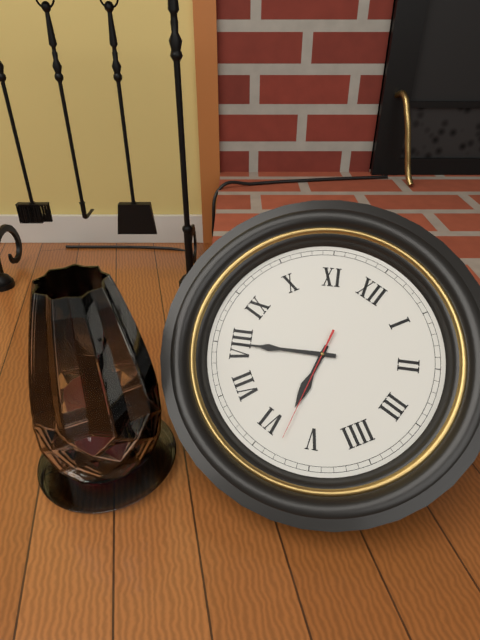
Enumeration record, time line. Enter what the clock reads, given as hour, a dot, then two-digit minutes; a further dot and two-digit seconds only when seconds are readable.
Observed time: 5.40.28
